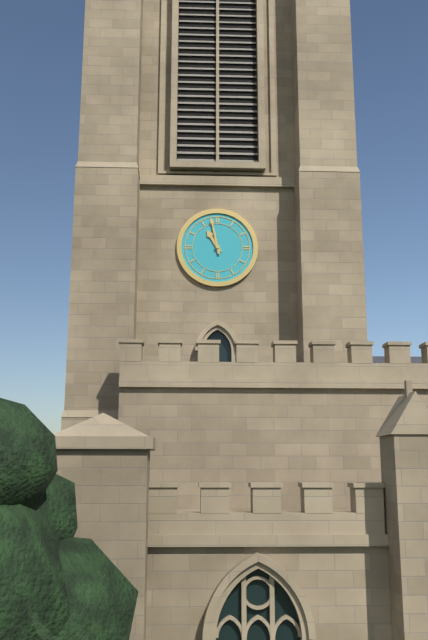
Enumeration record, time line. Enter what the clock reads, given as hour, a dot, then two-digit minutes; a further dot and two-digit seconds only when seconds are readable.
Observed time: 10.58
